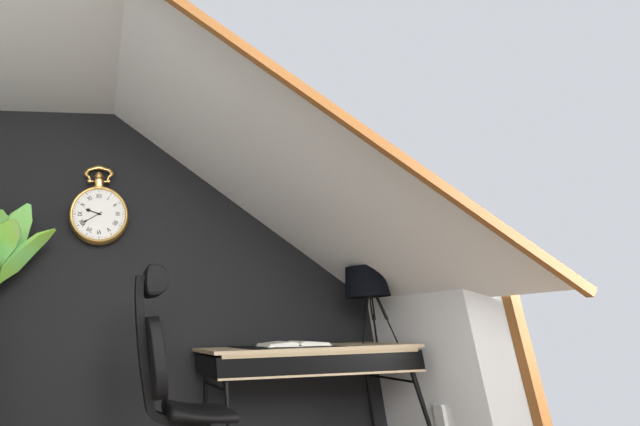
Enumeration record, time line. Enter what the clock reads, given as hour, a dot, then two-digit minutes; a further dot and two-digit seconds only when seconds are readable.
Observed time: 9.40
